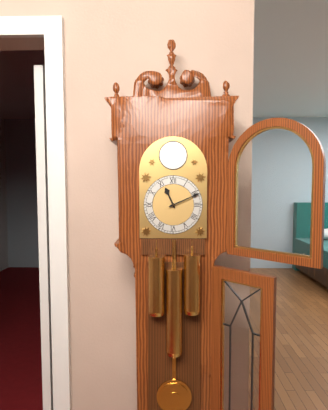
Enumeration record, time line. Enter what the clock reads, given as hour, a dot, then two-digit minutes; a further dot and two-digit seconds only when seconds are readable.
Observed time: 11.11
